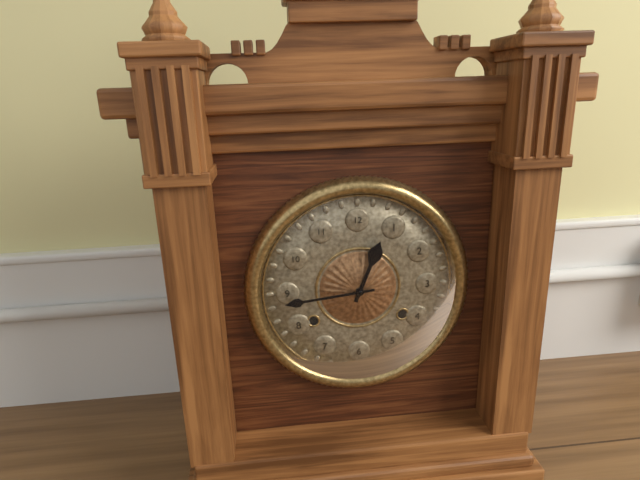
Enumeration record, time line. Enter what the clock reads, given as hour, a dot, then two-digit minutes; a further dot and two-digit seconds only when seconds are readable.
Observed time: 12.44
